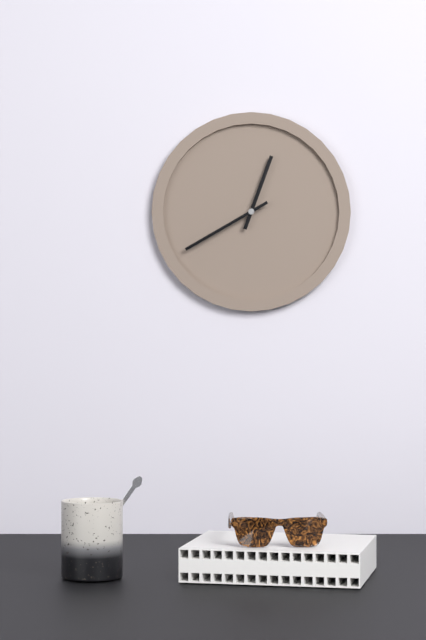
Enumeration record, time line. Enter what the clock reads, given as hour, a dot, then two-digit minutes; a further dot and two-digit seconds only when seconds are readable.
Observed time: 12.40
